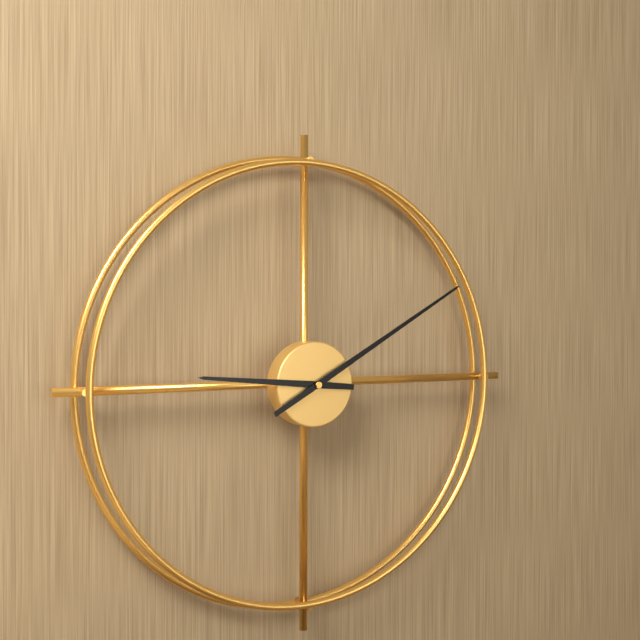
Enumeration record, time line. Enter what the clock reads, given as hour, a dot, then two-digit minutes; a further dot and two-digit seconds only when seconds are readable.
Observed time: 9.10
